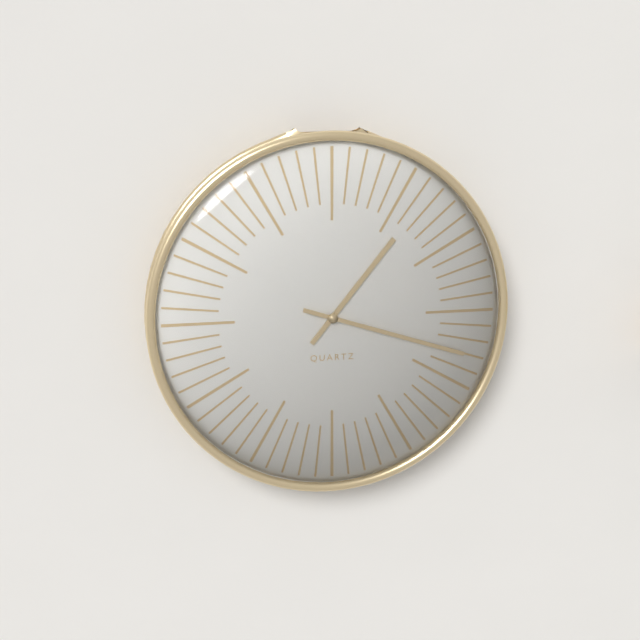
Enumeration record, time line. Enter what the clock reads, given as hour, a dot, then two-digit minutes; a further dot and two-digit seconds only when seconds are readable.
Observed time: 1.18
